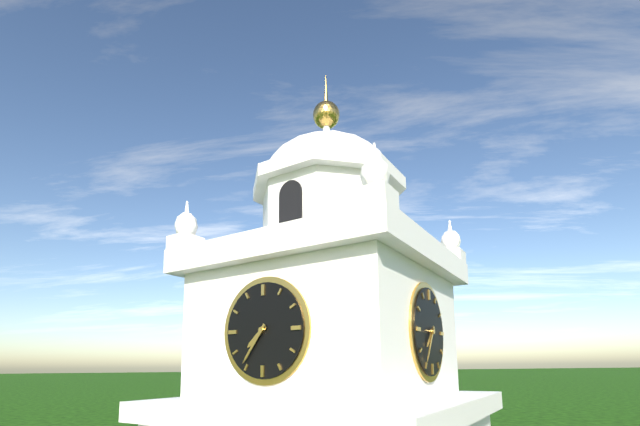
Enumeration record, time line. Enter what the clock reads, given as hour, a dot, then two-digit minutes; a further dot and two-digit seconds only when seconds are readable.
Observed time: 7.36
